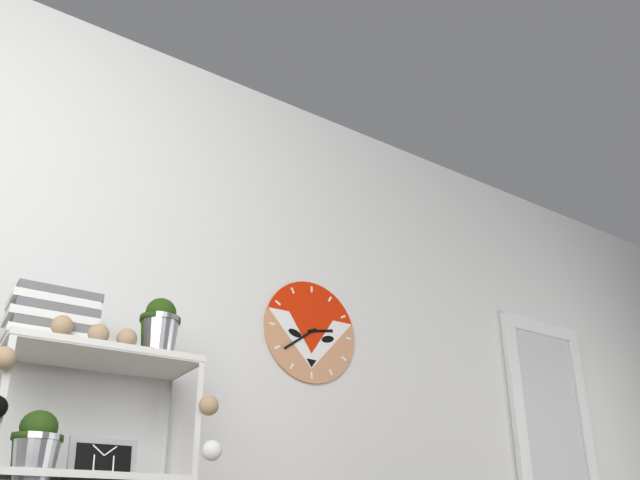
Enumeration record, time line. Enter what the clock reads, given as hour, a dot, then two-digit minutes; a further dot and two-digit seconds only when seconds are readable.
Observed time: 2.39
